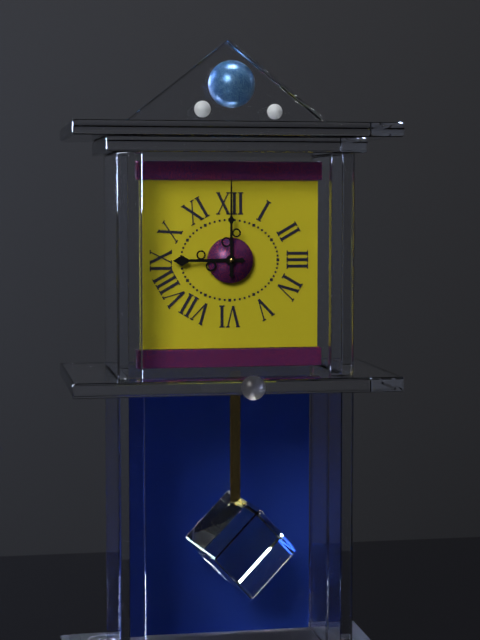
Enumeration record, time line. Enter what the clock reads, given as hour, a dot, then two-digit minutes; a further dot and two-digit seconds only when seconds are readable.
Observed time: 9.00
